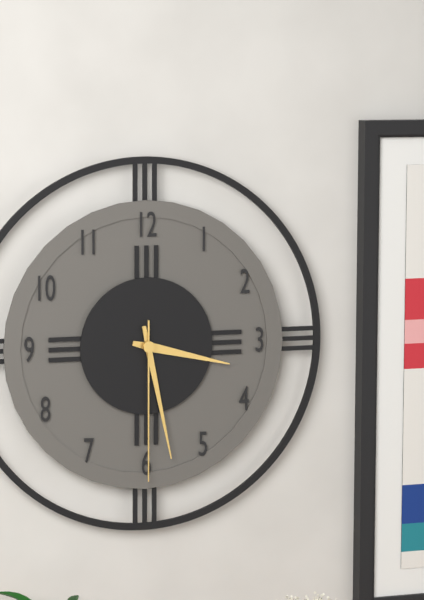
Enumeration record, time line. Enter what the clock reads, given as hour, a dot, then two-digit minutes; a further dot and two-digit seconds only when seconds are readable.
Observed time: 3.28.30
